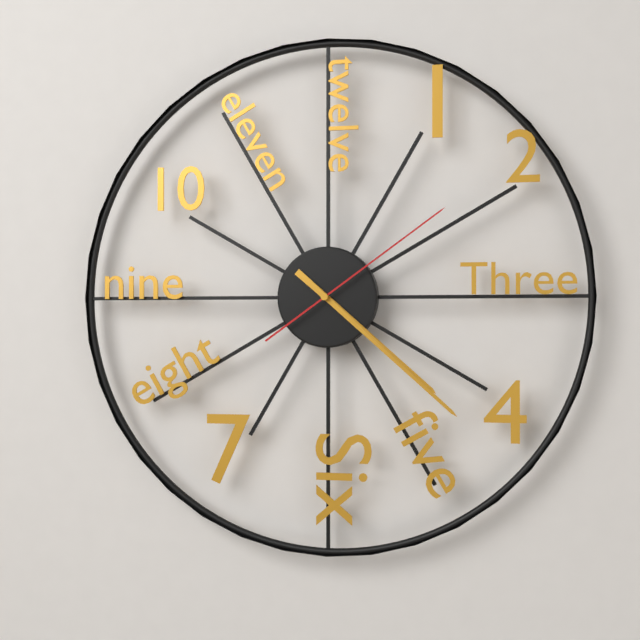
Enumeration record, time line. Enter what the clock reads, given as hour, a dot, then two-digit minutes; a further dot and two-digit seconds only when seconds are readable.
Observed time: 4.22.09
